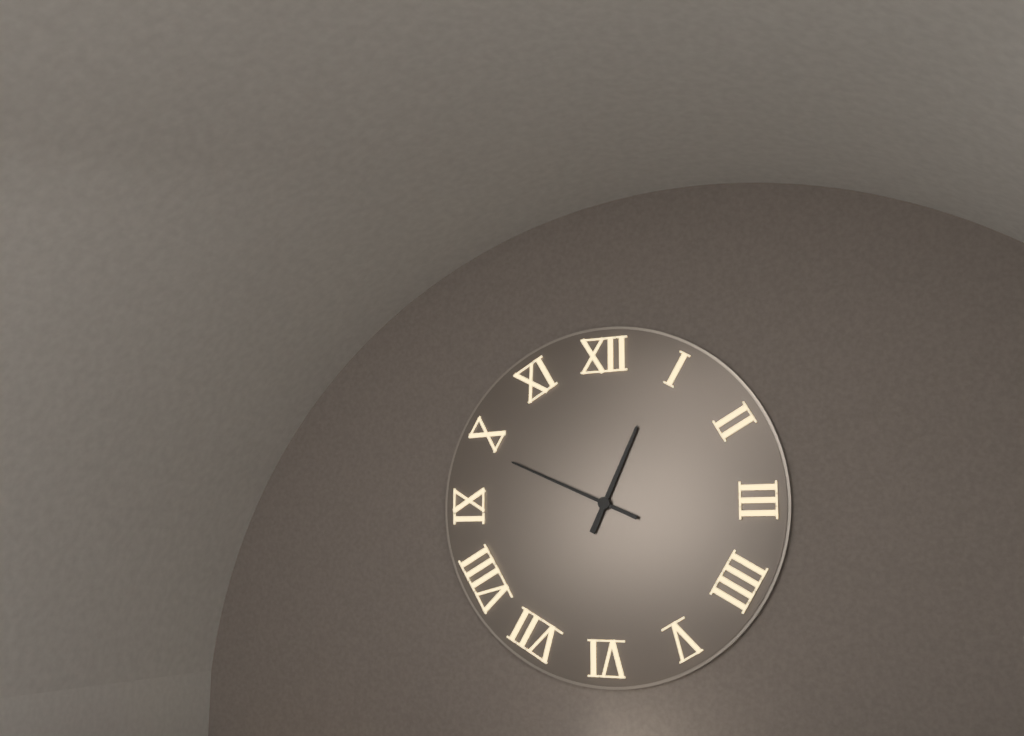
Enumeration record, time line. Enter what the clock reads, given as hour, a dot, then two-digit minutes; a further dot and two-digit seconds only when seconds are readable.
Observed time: 12.49
